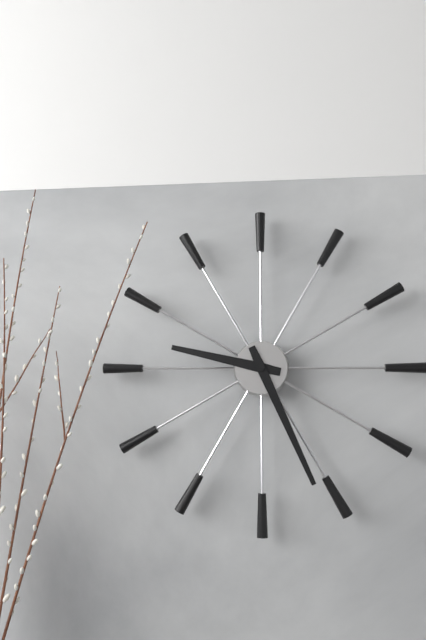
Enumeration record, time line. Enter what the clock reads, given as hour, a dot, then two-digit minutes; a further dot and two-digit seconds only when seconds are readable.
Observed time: 9.26
